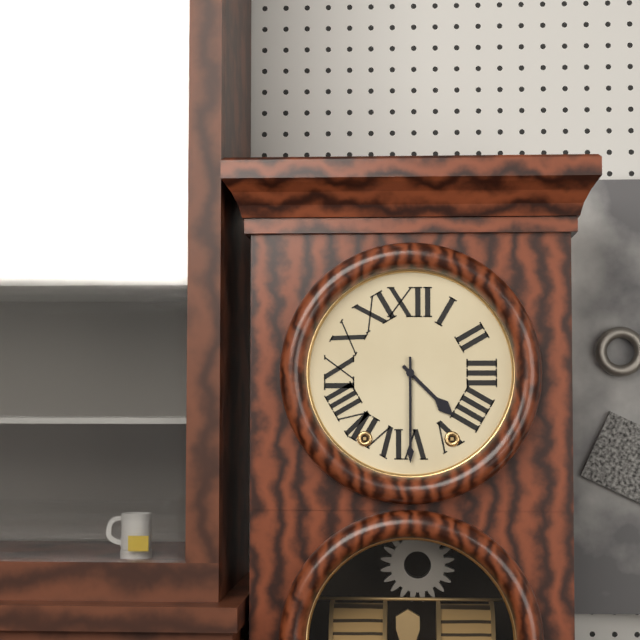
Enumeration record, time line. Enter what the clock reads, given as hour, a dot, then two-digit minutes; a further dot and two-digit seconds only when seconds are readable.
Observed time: 4.30
